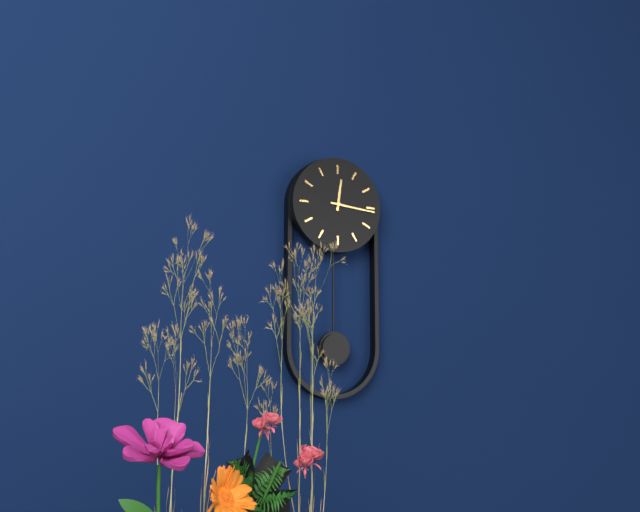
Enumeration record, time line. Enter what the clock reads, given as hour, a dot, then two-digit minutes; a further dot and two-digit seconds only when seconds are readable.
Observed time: 12.16
